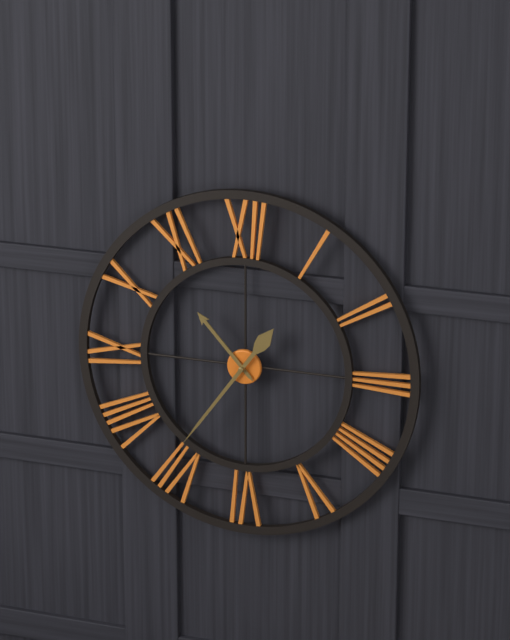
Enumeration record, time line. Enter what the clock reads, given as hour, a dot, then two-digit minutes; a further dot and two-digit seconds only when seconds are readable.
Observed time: 10.36
